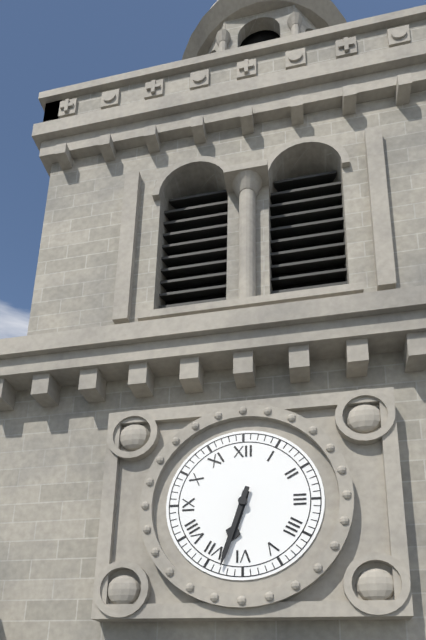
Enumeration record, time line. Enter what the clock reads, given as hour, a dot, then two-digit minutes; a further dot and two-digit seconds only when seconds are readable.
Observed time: 6.33
